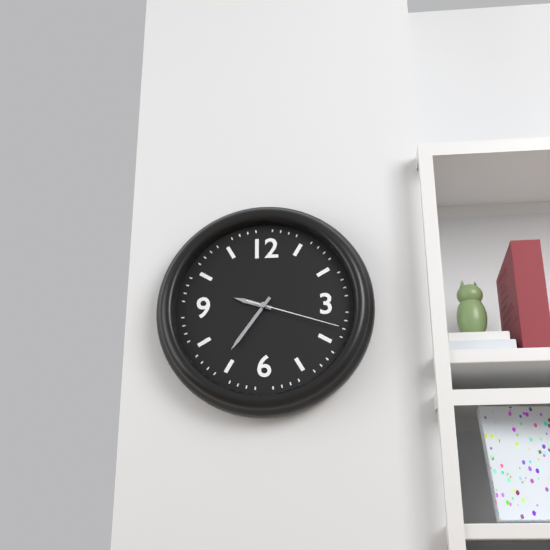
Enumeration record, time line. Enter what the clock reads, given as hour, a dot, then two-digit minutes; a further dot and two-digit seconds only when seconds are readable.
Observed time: 9.36.18
